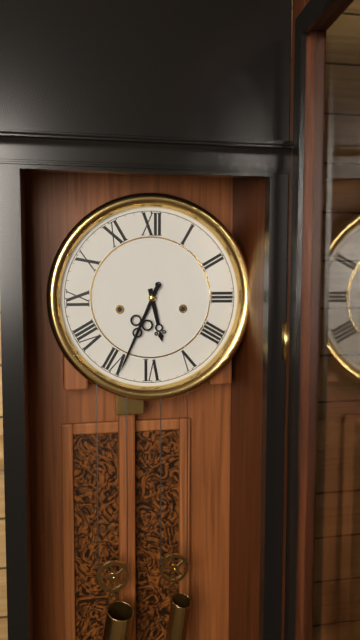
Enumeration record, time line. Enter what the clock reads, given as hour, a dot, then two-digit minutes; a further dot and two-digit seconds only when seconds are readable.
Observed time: 5.34
